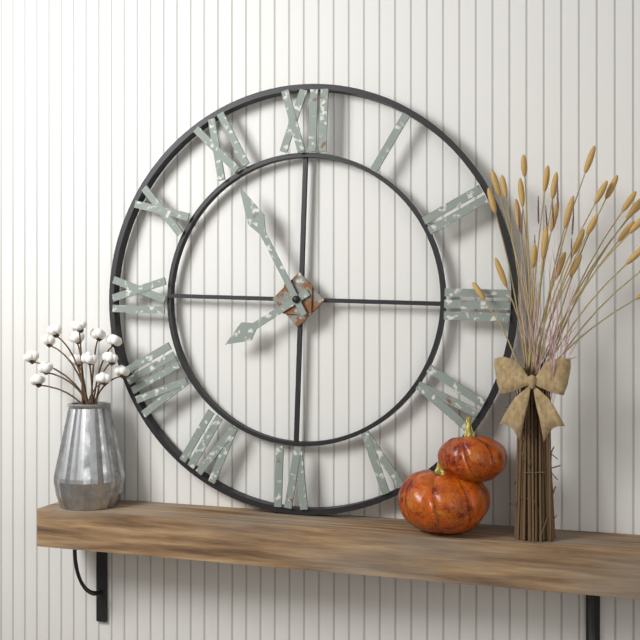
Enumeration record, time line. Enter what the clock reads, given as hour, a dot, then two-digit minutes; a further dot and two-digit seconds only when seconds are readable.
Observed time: 7.55
